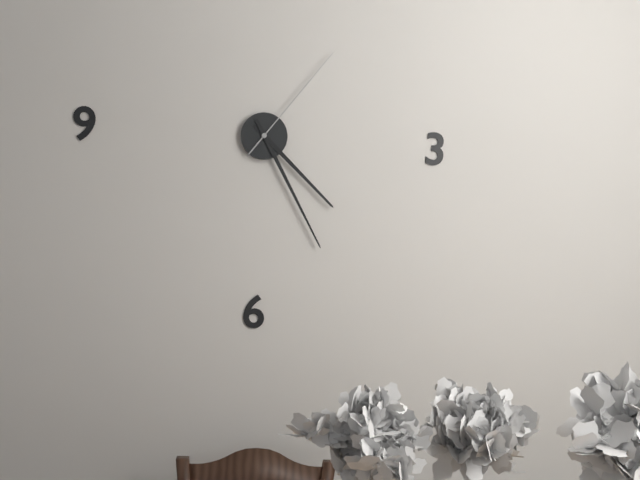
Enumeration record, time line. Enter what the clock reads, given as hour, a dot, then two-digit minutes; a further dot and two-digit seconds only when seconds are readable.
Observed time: 4.25.06
